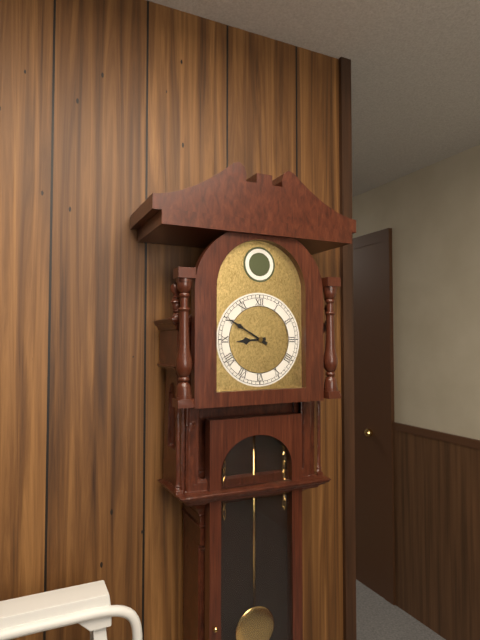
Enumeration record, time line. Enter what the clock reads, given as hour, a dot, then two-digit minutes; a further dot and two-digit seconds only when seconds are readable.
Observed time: 8.50
